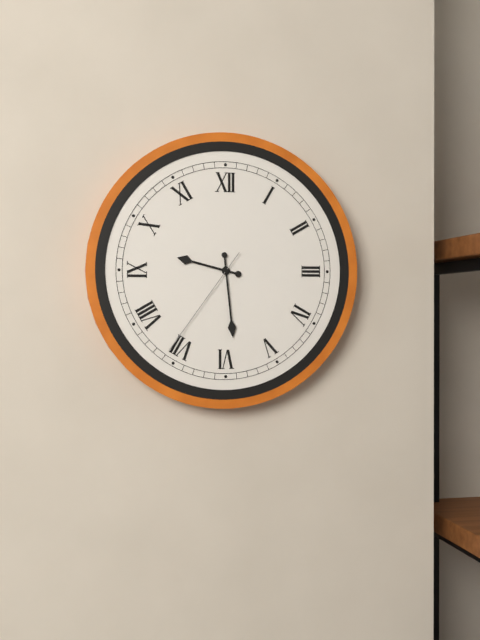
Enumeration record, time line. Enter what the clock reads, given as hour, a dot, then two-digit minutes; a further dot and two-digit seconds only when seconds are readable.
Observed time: 9.29.36
